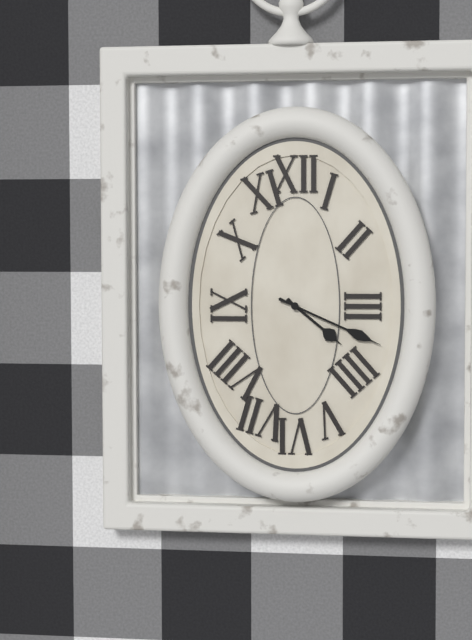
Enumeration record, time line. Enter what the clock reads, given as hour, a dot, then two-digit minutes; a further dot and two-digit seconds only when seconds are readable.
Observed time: 4.19
